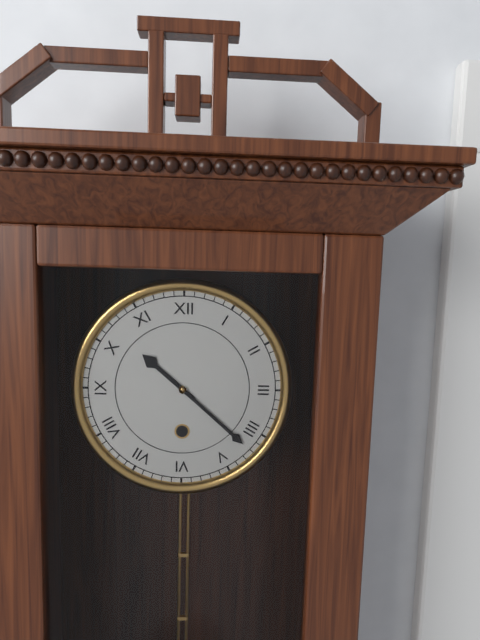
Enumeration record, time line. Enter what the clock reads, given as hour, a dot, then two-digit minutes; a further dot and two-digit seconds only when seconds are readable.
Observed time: 10.22
